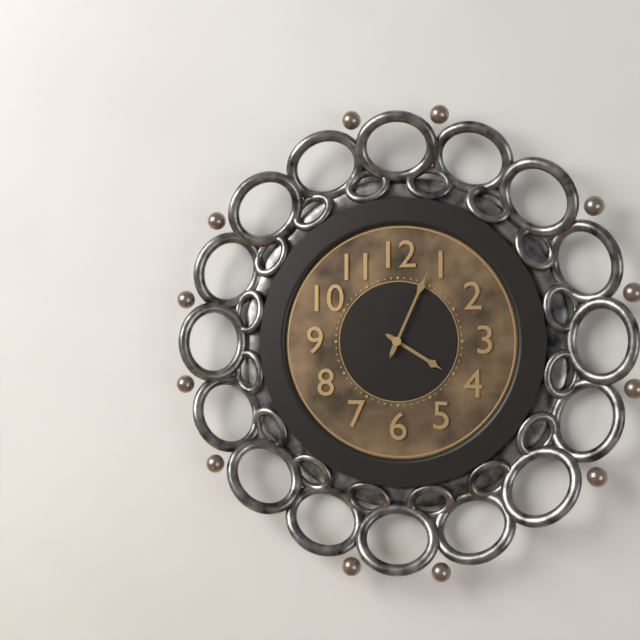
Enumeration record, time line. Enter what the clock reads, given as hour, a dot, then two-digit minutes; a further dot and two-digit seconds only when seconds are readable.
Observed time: 4.04
